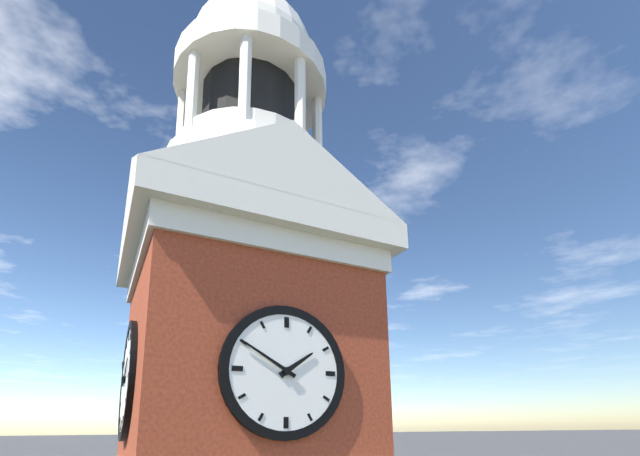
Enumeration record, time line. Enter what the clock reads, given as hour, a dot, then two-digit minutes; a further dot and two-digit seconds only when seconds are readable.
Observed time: 1.50
